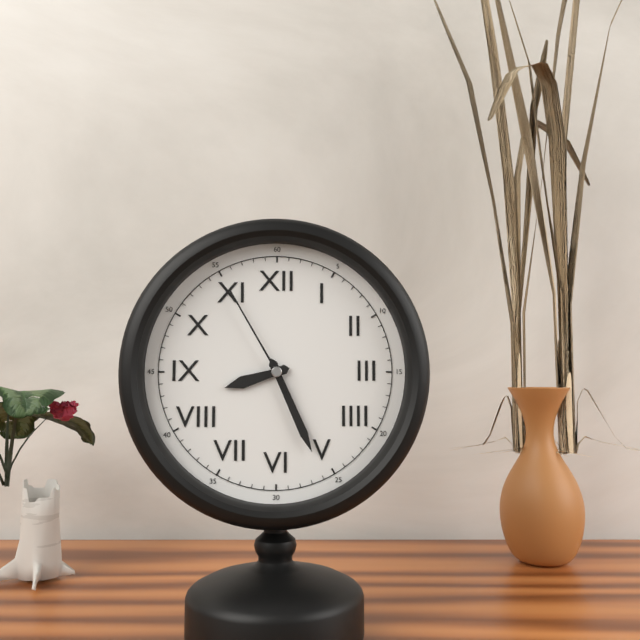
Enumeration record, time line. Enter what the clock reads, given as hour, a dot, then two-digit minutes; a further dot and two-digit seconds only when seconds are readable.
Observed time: 8.26.55
